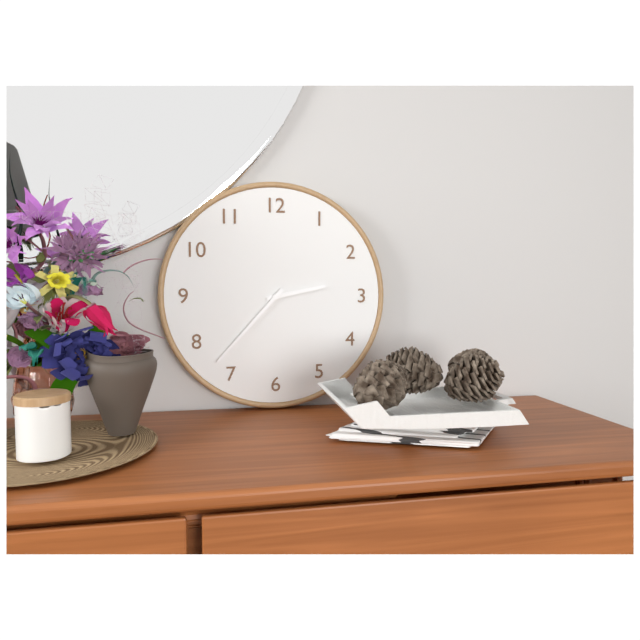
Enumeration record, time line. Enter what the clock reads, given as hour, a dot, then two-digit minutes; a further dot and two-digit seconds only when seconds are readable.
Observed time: 2.37
